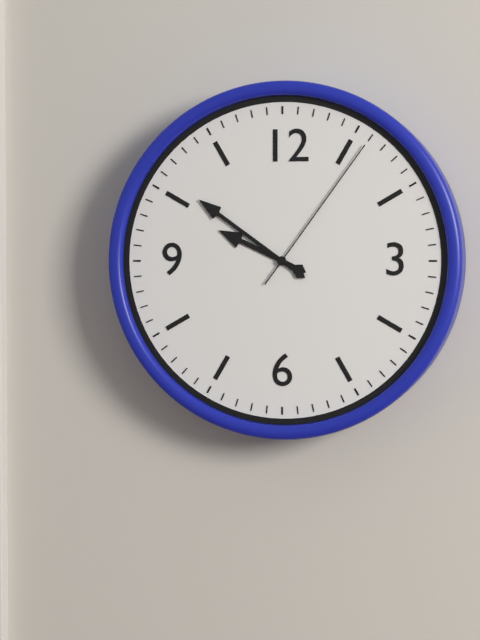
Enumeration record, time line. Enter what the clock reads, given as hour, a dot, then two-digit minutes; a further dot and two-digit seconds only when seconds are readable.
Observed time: 9.51.06
